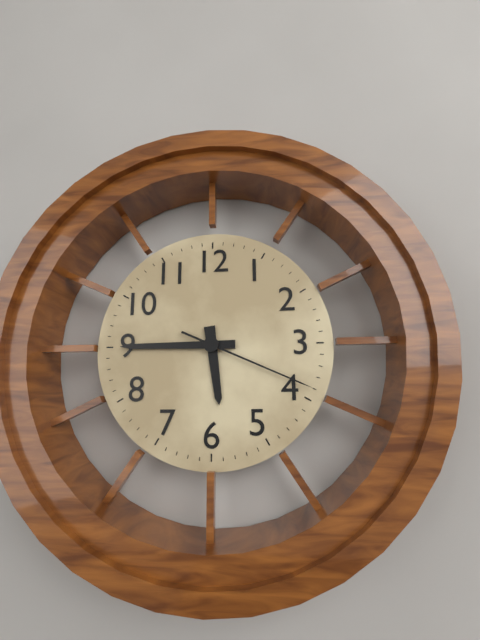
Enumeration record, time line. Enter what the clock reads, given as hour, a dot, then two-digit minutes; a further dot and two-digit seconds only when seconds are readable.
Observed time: 5.45.19
